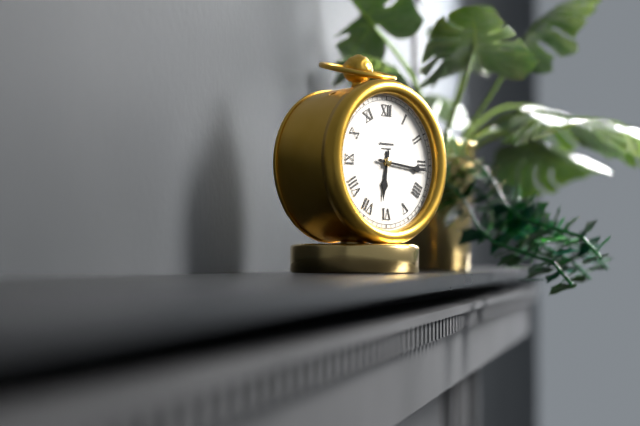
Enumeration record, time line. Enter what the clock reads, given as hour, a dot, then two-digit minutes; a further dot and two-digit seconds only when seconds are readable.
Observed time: 6.16
